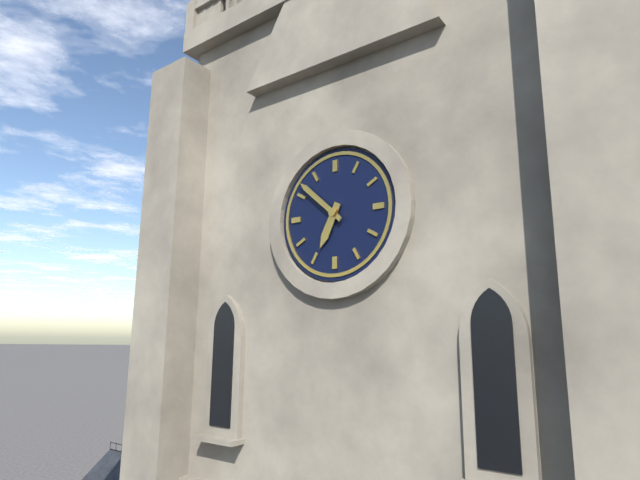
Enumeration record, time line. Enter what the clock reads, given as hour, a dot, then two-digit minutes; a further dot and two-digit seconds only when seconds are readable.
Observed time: 6.52
